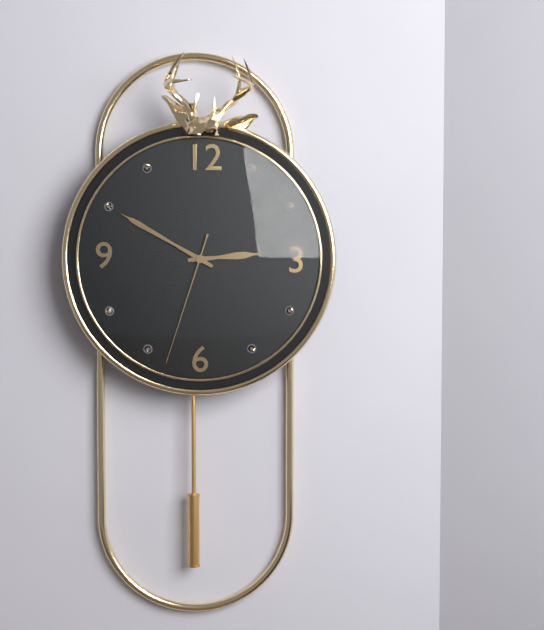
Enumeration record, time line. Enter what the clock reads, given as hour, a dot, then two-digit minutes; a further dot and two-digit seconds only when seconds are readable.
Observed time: 2.50.33
